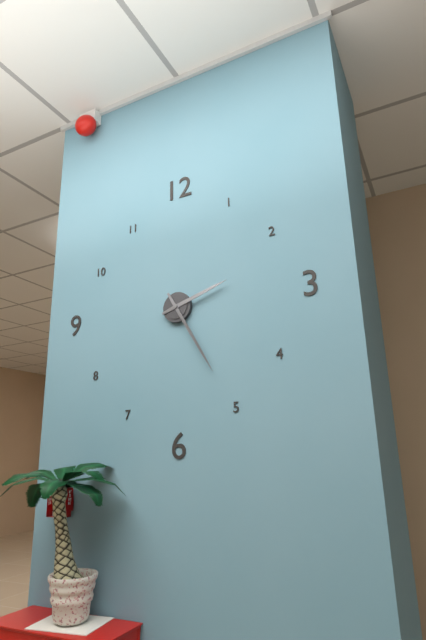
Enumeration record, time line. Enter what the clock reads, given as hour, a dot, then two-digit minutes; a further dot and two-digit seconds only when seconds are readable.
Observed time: 2.25
